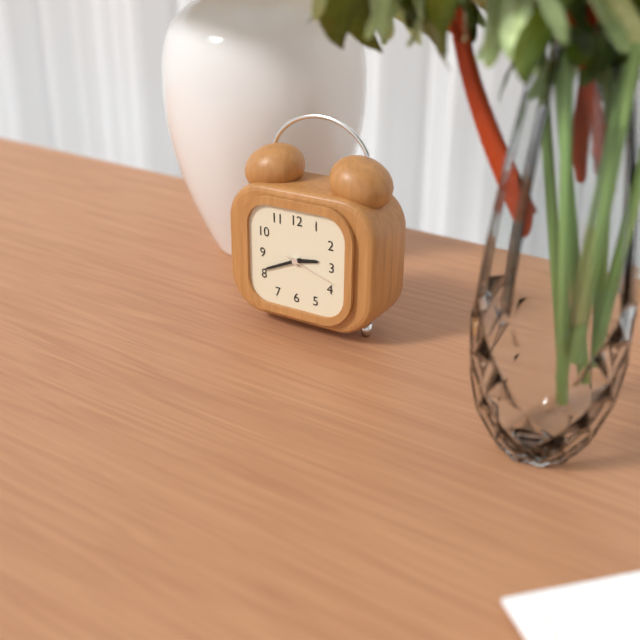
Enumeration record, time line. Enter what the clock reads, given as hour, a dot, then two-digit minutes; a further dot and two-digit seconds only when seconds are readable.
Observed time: 2.41.18
